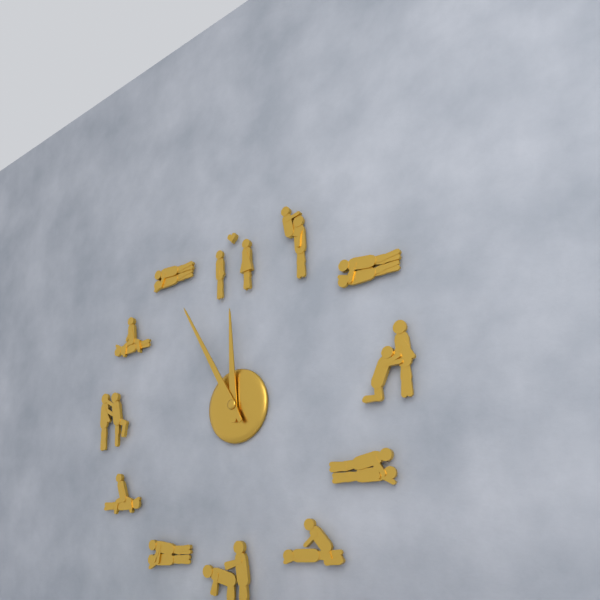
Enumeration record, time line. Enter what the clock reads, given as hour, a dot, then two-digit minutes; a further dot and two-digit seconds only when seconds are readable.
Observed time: 11.55
